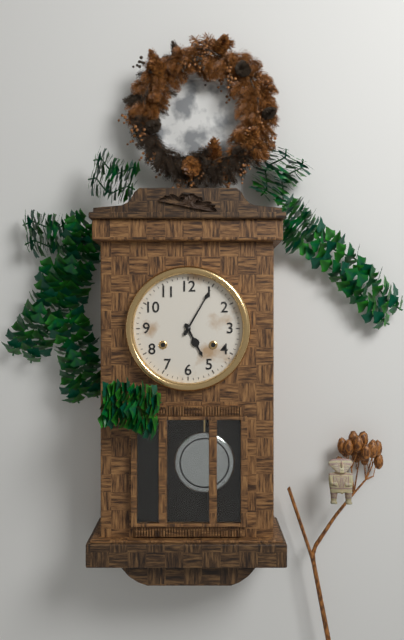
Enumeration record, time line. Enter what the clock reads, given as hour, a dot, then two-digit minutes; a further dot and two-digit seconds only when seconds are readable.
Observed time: 5.05
